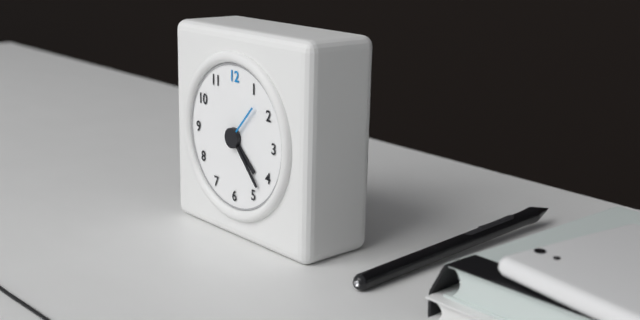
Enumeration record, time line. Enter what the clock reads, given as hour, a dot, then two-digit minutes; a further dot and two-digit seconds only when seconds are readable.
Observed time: 4.23
